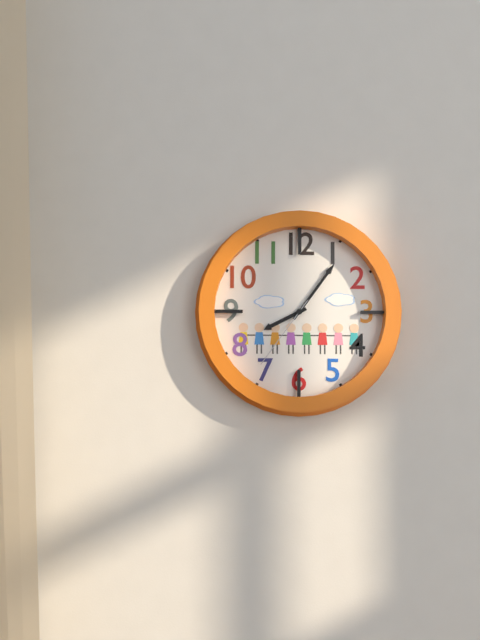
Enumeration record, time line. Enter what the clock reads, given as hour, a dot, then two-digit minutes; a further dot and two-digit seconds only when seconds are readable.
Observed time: 8.06.36
